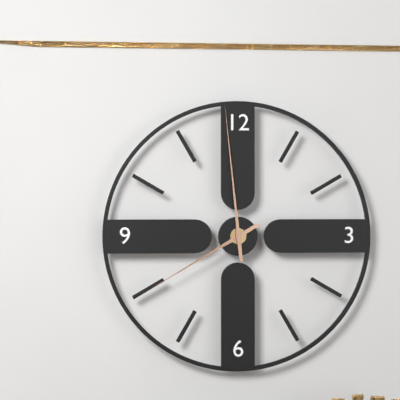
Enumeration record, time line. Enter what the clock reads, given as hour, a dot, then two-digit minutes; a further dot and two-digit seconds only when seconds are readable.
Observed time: 7.59
